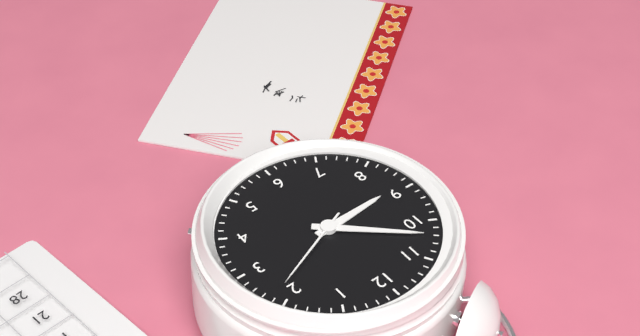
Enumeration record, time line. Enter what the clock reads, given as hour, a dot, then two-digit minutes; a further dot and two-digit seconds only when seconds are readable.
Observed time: 8.52.11
